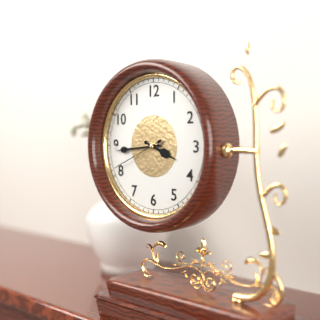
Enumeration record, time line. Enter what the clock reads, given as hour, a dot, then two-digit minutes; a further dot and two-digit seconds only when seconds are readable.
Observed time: 3.44.41
